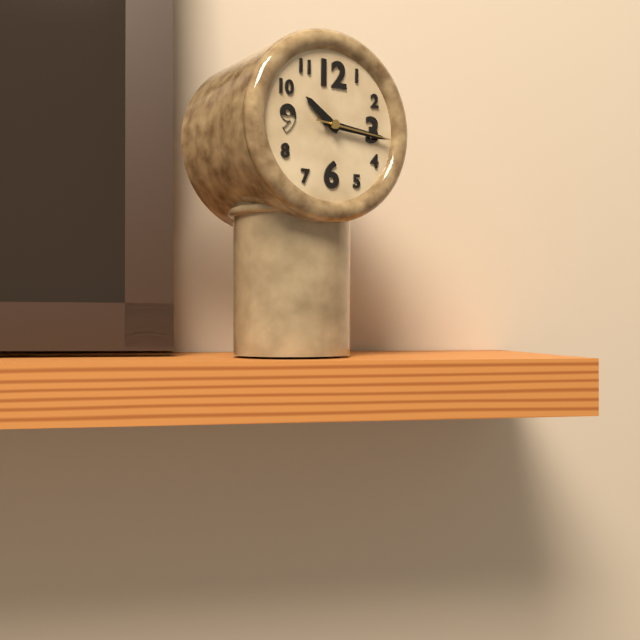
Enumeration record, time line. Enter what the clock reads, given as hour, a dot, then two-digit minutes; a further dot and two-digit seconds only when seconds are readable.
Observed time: 10.16.16
